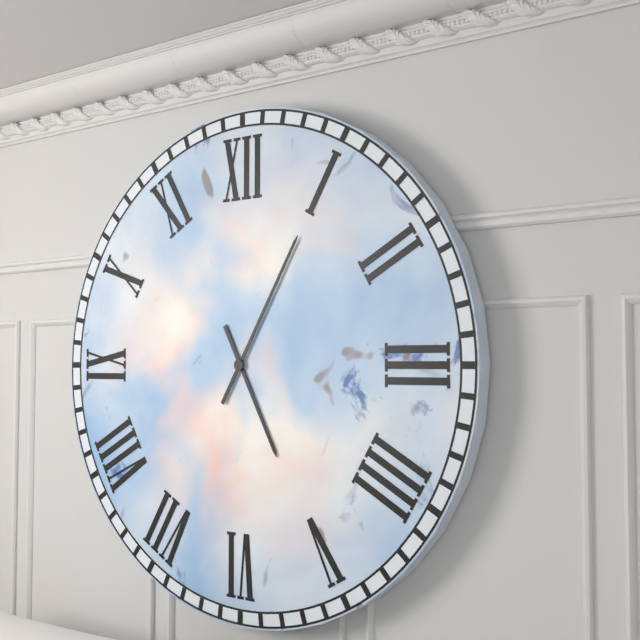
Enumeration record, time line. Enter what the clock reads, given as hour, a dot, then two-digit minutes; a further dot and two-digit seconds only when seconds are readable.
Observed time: 5.05
